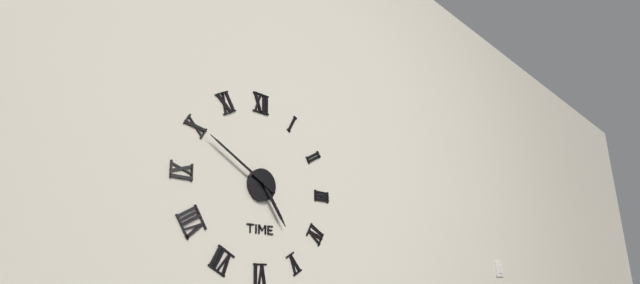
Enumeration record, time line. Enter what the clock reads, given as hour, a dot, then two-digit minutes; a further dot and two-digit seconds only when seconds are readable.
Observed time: 4.50
